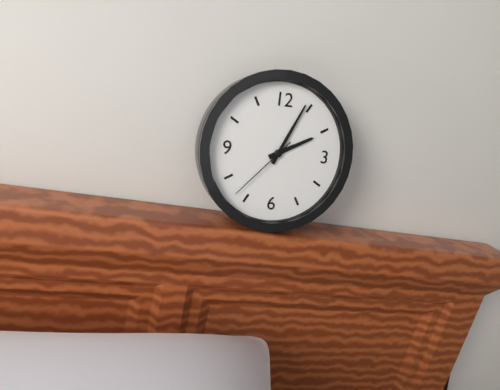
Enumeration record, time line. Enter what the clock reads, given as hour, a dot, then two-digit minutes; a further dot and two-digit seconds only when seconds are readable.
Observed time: 2.04.37
